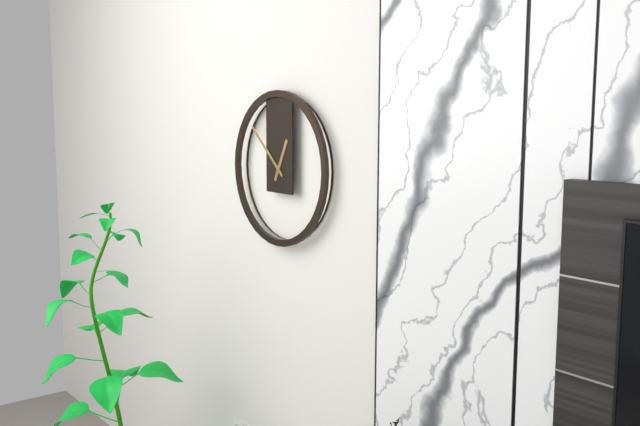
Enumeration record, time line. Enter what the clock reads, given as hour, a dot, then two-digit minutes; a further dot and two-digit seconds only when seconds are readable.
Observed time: 12.52
